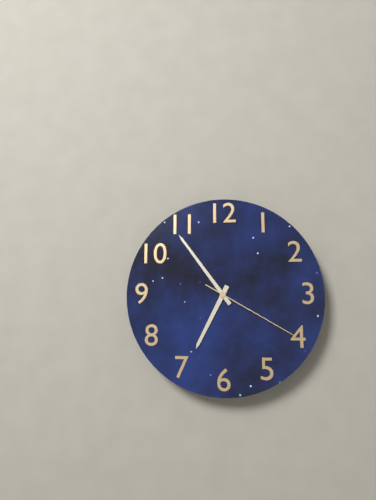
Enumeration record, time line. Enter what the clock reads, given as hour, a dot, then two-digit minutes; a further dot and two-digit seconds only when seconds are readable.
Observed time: 6.54.20
